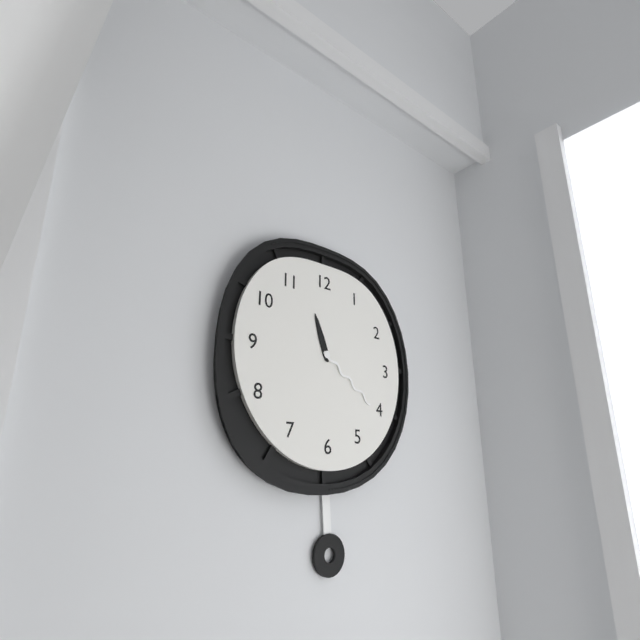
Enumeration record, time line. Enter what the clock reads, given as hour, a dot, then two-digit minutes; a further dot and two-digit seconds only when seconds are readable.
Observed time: 11.21
